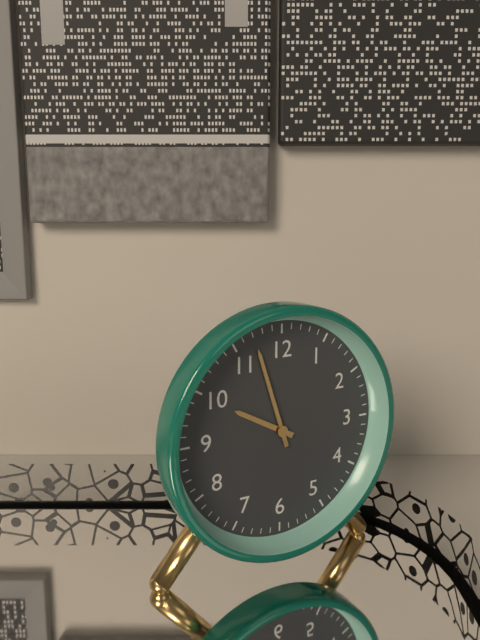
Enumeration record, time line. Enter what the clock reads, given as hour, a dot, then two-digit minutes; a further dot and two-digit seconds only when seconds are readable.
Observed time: 9.57
